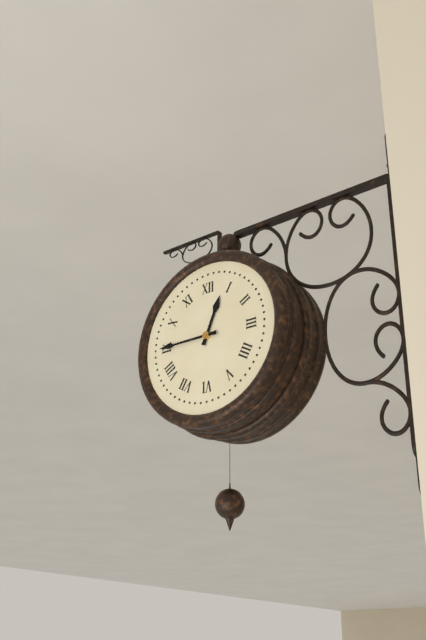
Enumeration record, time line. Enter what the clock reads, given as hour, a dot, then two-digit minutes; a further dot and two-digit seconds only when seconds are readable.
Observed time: 12.45
